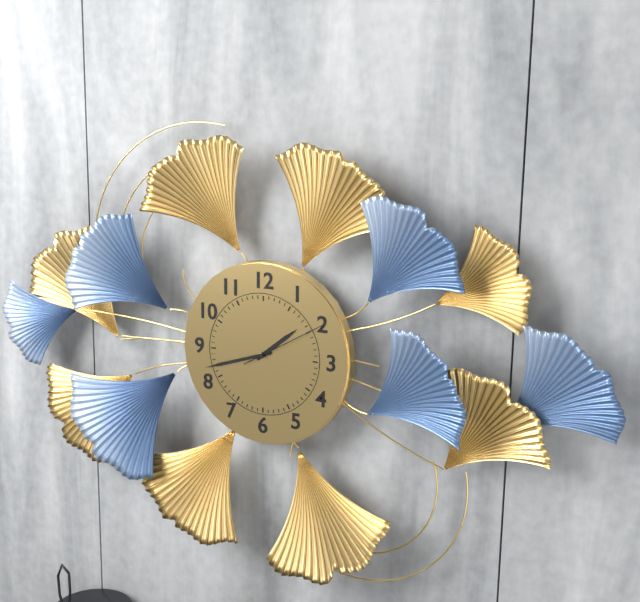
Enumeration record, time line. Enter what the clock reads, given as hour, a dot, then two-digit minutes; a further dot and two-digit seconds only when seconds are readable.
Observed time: 1.42.10
